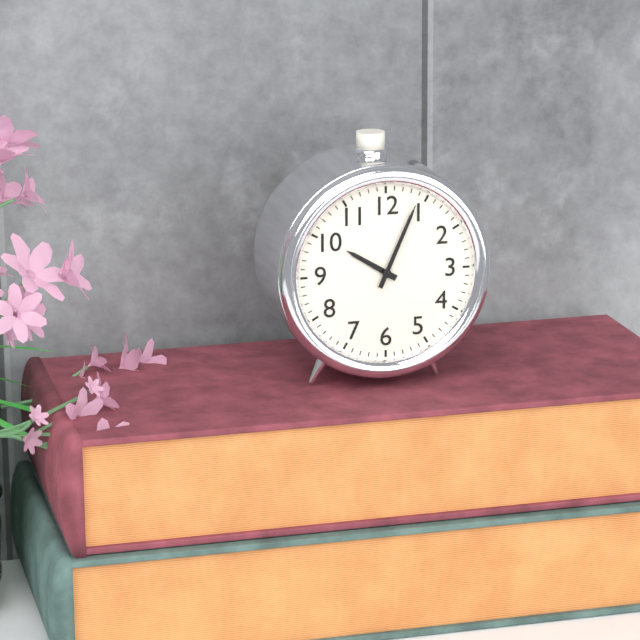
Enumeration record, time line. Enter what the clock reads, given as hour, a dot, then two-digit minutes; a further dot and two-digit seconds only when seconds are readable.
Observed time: 10.04
